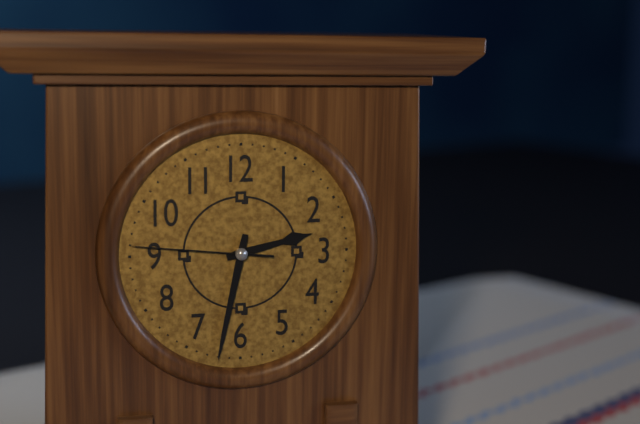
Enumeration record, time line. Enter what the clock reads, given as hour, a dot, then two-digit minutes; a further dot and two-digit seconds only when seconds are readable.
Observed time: 2.32.46
